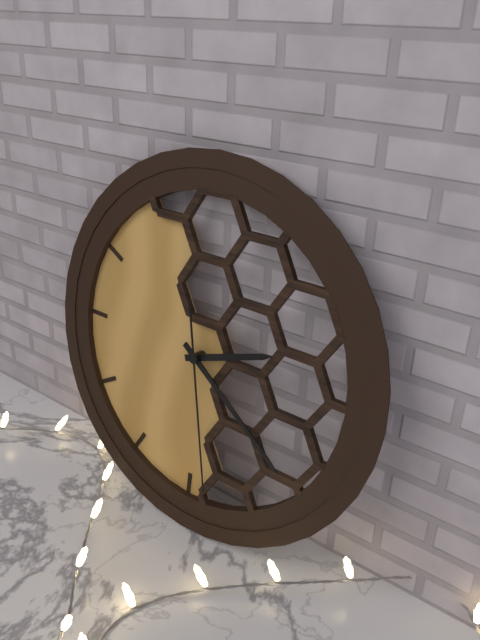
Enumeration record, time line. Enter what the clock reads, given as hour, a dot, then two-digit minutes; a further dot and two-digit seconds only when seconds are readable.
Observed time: 2.21.28
